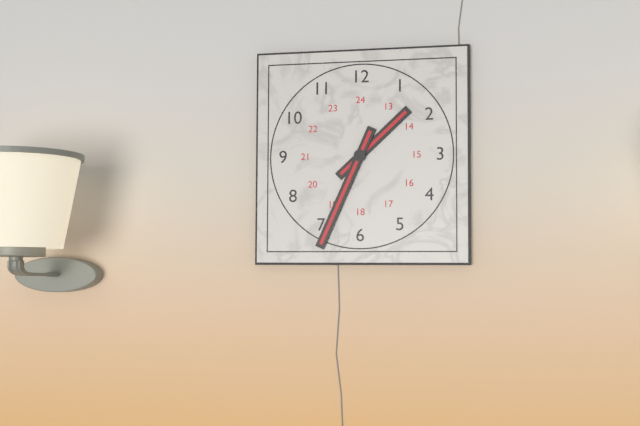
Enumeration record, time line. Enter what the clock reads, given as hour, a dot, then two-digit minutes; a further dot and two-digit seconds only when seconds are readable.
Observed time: 1.34
